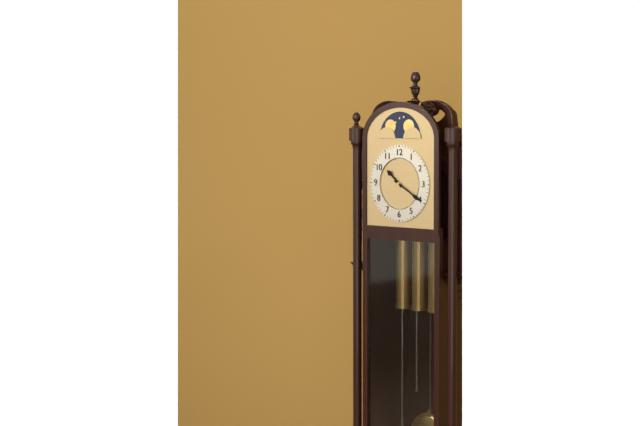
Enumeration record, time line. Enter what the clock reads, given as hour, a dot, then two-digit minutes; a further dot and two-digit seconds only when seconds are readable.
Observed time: 10.20
